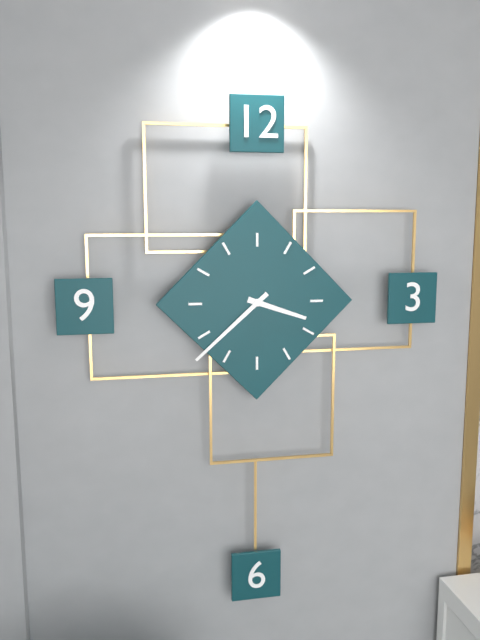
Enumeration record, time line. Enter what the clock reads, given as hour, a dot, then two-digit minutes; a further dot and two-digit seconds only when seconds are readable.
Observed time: 3.38
